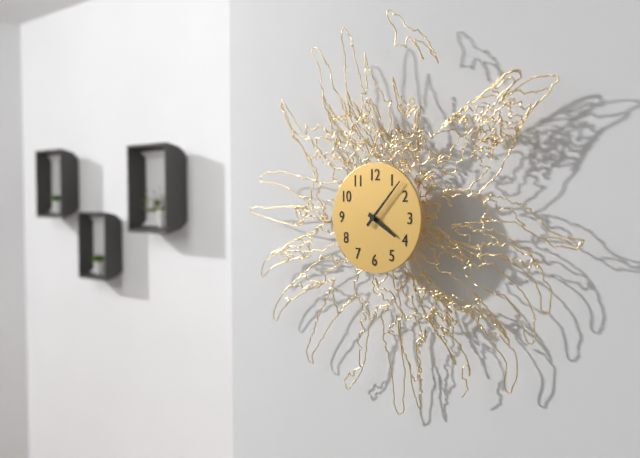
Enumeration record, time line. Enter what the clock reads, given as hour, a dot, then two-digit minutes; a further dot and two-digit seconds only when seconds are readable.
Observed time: 4.07
